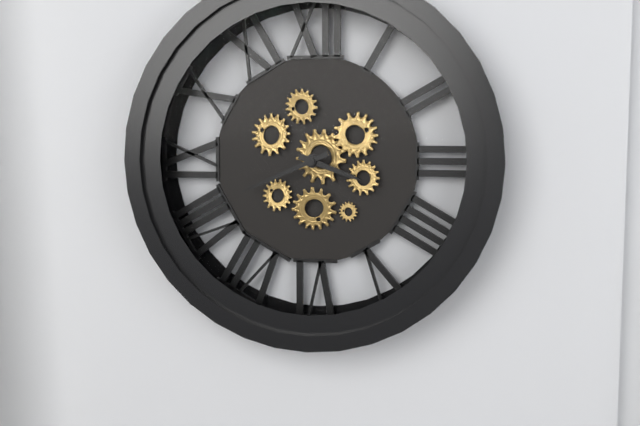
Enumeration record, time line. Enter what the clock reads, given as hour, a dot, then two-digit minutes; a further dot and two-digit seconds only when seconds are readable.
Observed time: 3.41
